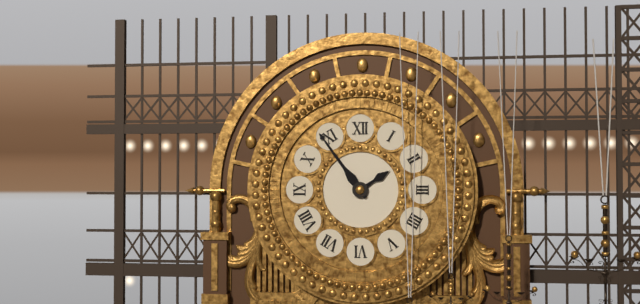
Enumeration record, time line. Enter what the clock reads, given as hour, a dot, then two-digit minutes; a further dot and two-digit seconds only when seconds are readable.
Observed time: 1.54
